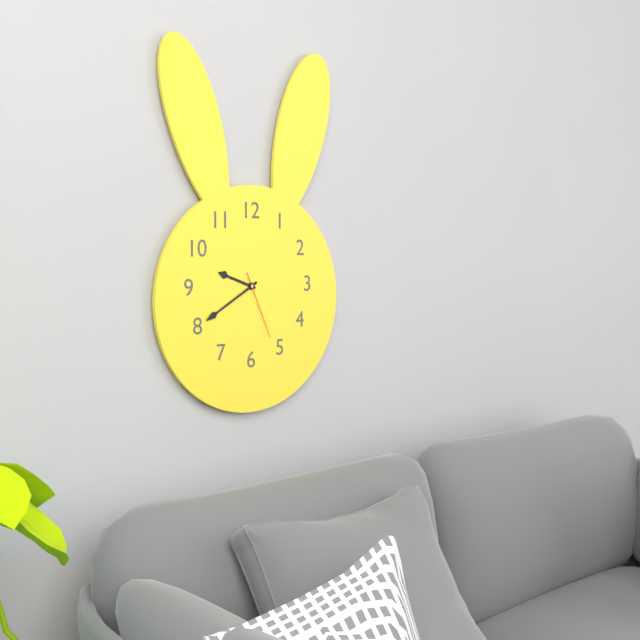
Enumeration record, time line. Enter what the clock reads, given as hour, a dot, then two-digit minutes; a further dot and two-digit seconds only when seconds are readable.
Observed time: 9.40.26
